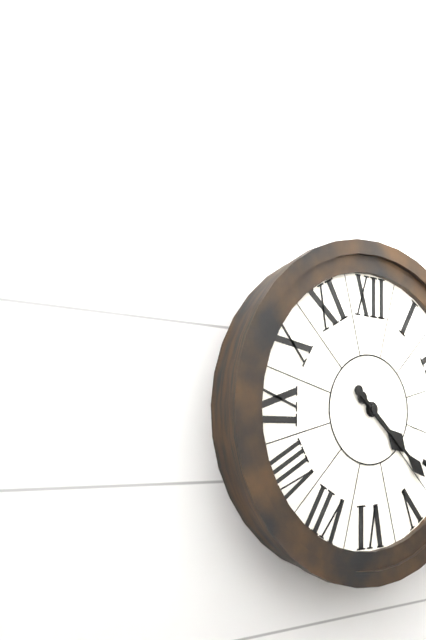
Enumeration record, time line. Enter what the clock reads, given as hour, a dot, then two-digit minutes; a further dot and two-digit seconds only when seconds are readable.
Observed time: 4.22
